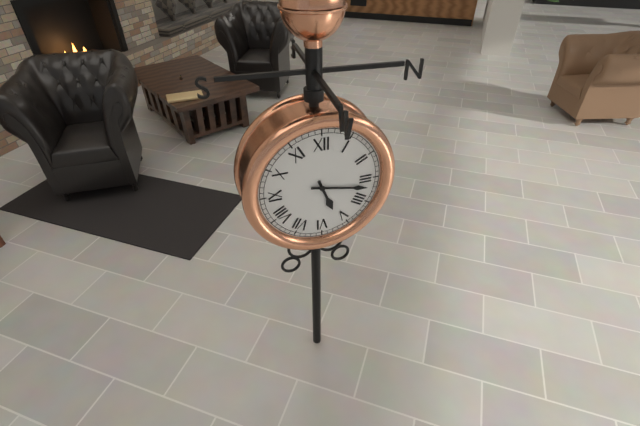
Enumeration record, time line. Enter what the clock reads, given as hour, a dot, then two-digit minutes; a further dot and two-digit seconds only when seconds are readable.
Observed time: 5.17
